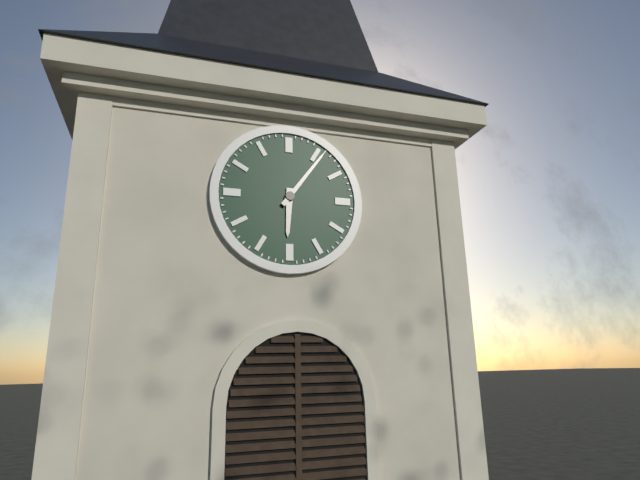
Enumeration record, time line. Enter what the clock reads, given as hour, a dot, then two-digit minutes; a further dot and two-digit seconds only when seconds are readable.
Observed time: 6.06
